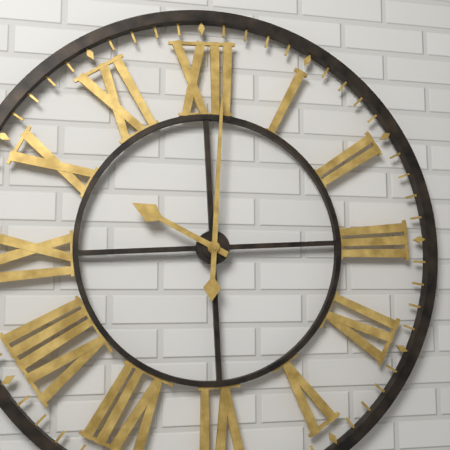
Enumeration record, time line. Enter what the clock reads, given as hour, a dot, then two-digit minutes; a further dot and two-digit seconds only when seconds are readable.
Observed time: 10.01
